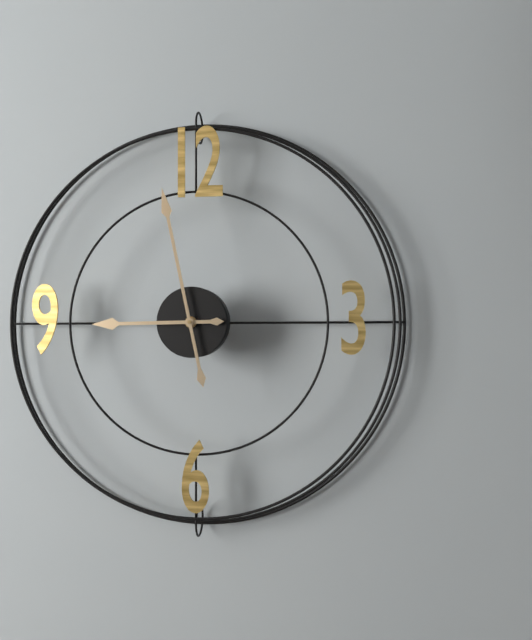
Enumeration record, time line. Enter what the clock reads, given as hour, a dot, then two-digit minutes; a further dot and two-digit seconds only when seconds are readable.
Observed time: 8.58
